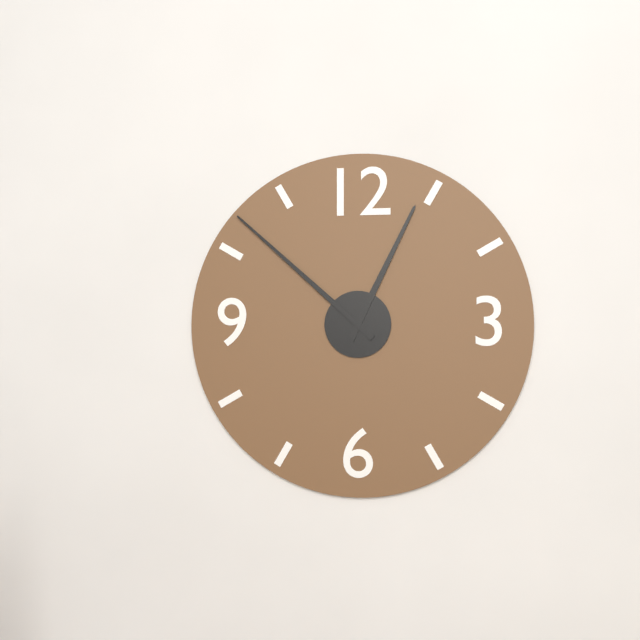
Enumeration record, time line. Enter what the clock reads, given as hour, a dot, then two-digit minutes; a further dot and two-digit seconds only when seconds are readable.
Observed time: 12.52
